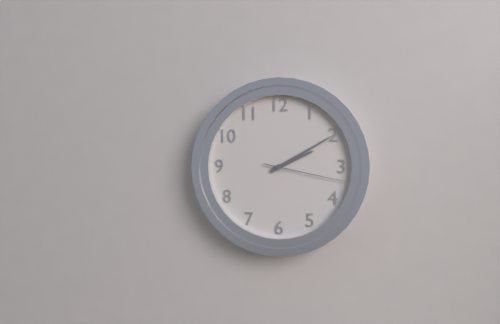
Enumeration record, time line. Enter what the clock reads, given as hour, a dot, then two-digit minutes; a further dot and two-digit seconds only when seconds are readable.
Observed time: 2.10.17
